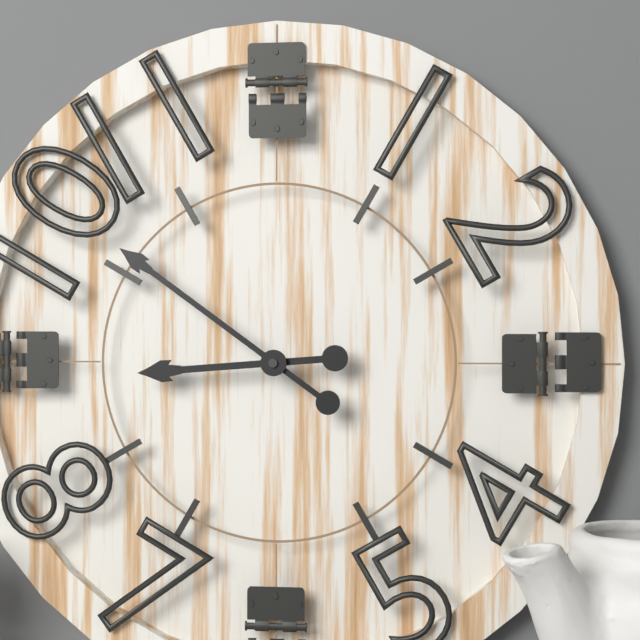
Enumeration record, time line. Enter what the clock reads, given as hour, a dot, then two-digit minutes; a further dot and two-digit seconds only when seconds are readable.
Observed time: 8.51
